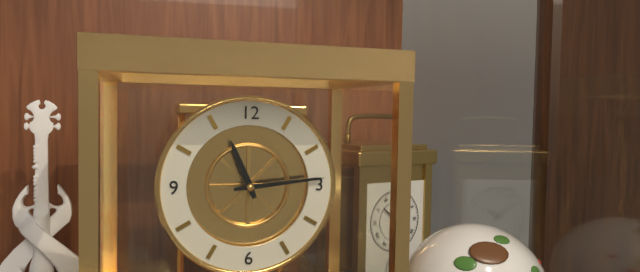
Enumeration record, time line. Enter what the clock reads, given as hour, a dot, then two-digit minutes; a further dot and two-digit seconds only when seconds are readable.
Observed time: 11.14
